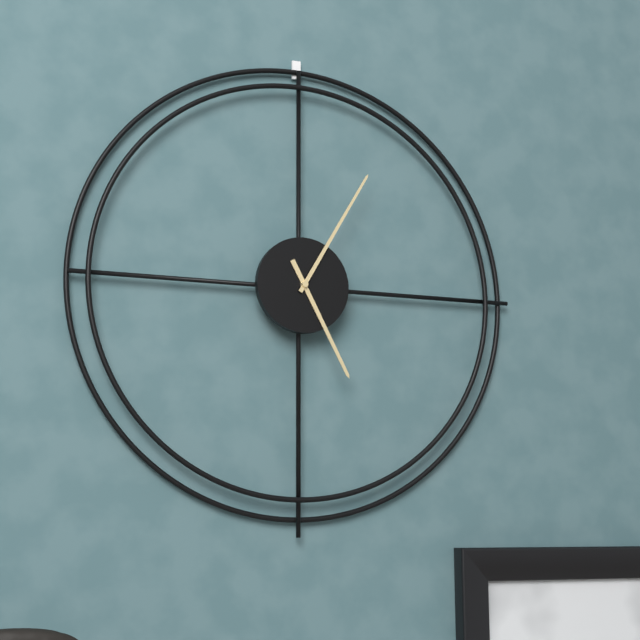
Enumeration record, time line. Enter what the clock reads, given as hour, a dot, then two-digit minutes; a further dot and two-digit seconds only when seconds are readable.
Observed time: 5.05
